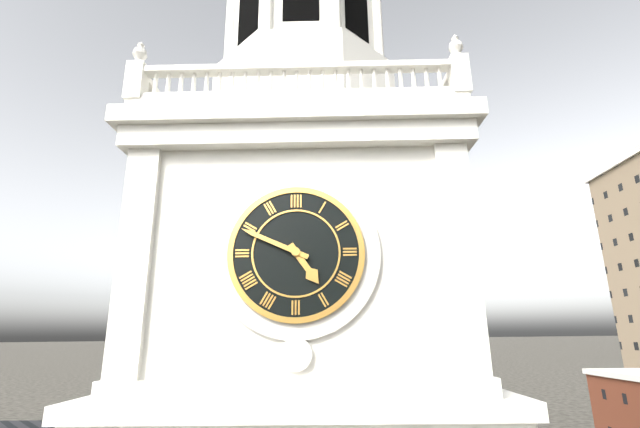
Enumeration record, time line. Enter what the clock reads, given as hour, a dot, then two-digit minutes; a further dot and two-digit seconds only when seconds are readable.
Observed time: 4.49
